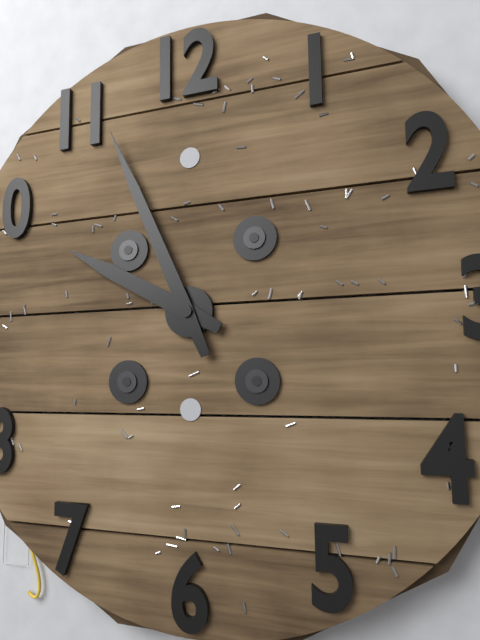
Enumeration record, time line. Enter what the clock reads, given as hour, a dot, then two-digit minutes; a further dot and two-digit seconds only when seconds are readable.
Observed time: 9.56
